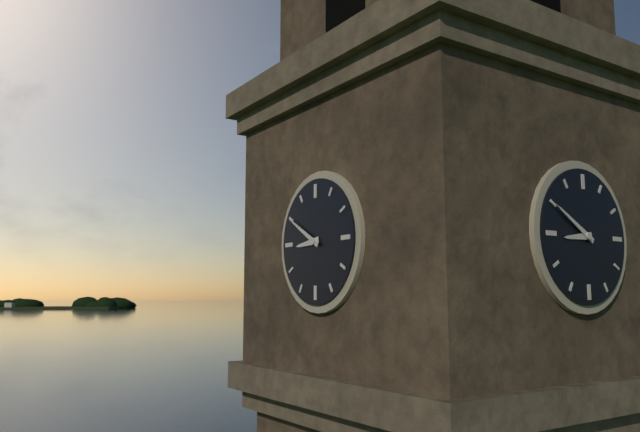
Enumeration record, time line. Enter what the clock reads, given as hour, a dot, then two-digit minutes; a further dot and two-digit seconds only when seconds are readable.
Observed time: 8.50
